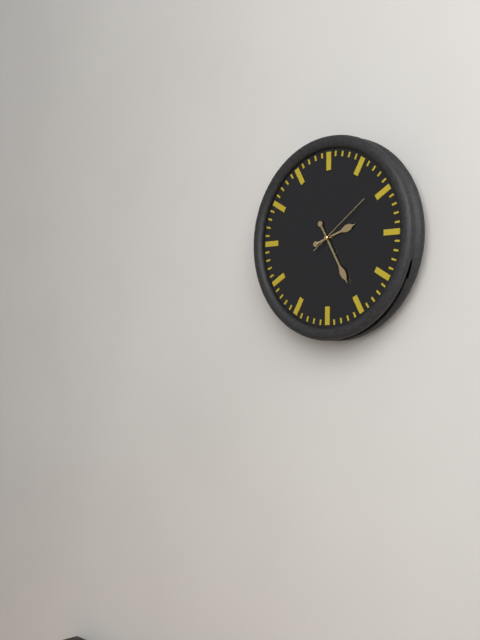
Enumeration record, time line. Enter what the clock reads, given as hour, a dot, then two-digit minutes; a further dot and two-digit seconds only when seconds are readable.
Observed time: 2.25.09
